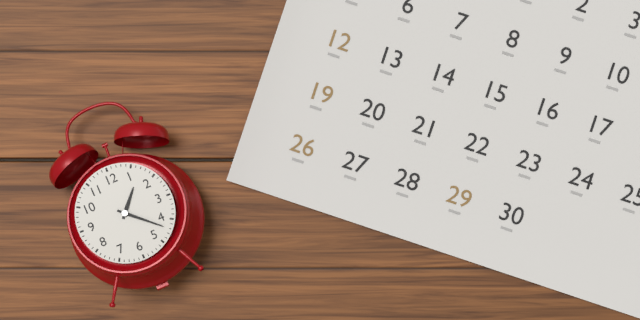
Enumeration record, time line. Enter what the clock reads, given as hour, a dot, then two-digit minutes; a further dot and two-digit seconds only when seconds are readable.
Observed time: 1.22
